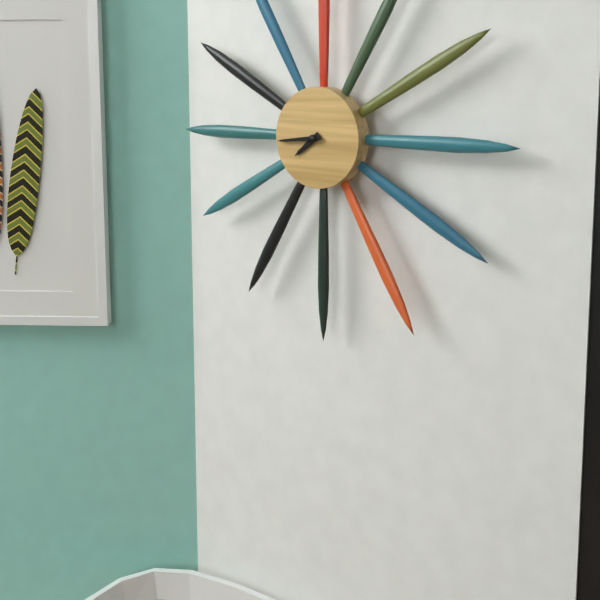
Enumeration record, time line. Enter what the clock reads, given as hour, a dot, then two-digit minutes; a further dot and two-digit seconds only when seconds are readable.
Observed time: 7.44
